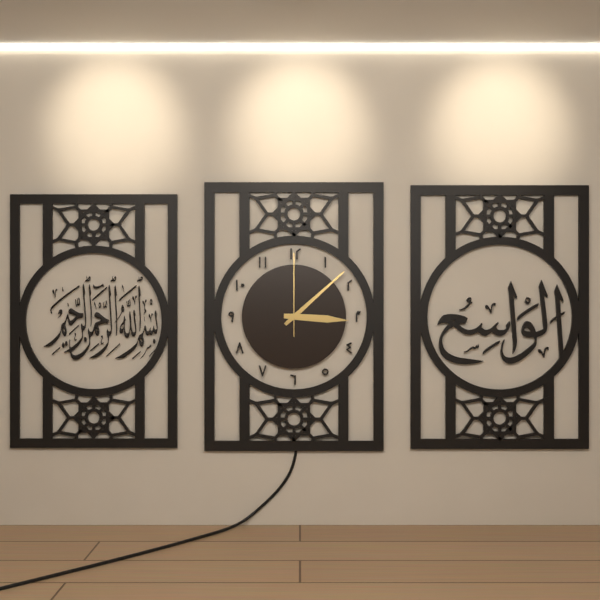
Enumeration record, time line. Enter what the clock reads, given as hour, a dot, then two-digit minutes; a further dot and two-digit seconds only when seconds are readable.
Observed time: 3.08.00
